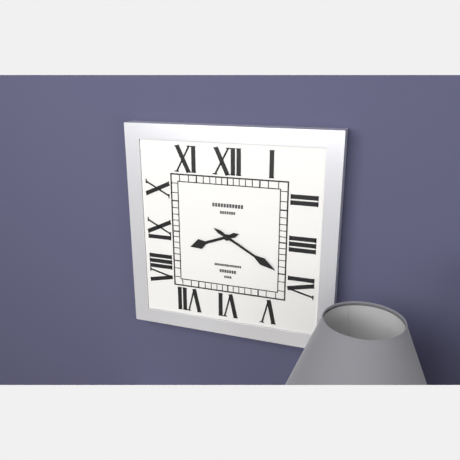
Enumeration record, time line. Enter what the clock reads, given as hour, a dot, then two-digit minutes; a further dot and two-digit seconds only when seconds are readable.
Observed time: 8.20
